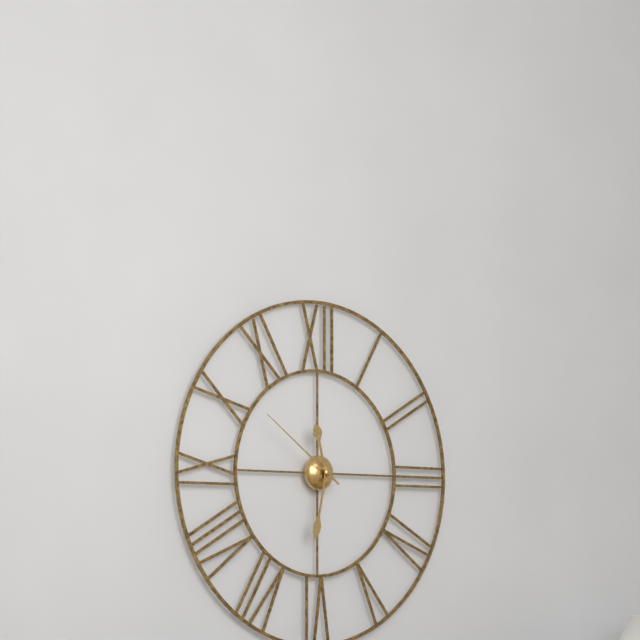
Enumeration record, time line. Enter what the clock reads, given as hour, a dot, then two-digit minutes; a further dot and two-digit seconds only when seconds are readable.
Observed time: 11.32.51
